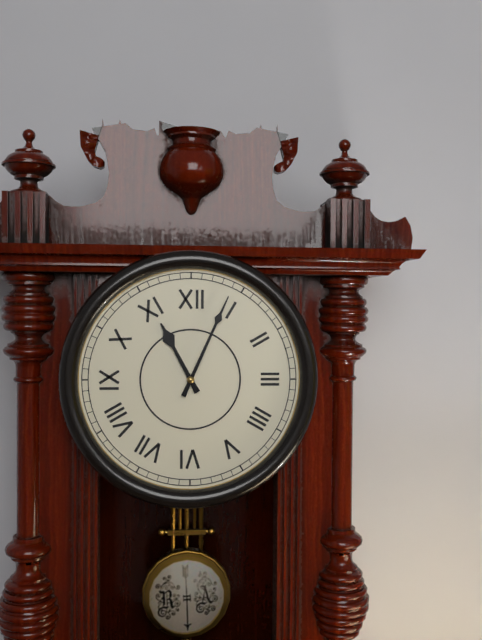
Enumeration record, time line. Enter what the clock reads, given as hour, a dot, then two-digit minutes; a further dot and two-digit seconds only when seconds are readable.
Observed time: 11.04
